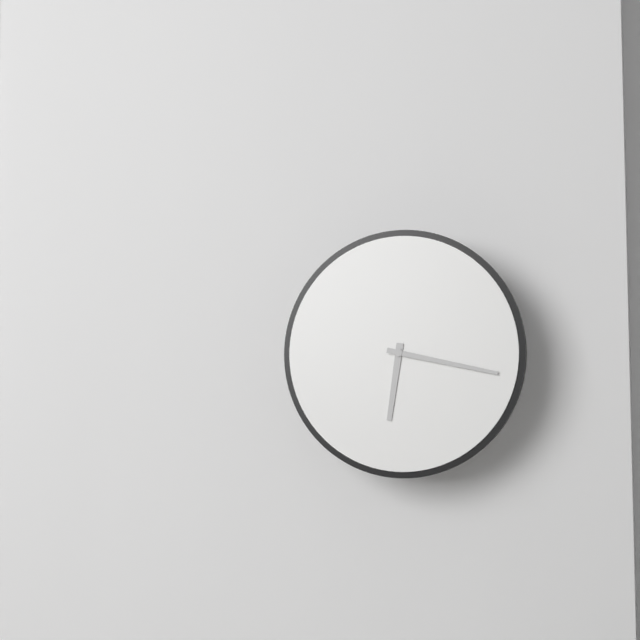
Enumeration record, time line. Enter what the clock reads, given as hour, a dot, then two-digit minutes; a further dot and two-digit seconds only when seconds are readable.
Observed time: 6.17
